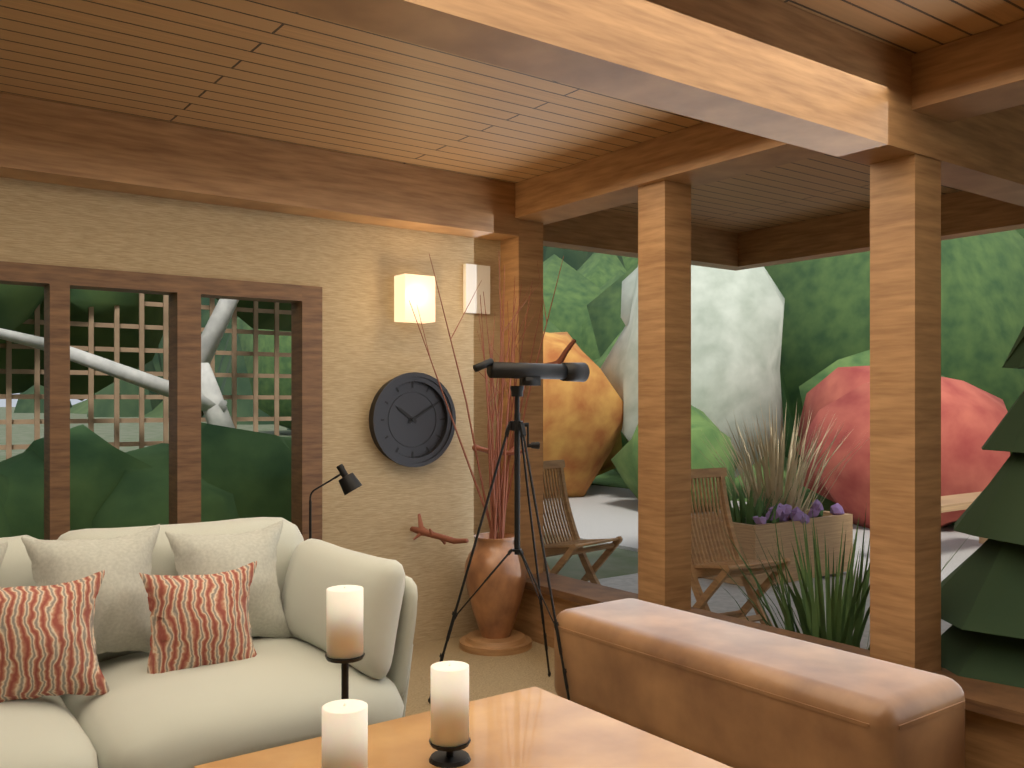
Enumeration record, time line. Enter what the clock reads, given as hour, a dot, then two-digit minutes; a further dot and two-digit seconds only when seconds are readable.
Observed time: 10.10
